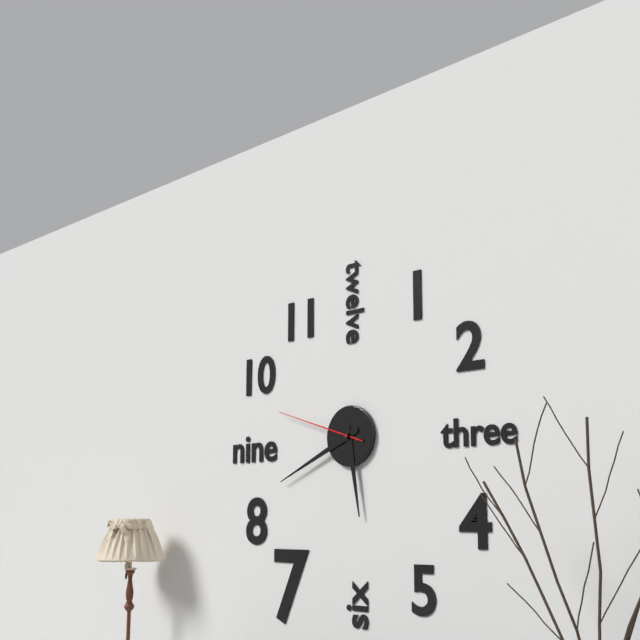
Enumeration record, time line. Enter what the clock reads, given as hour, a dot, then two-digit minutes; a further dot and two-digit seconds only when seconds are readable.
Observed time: 5.41.48
